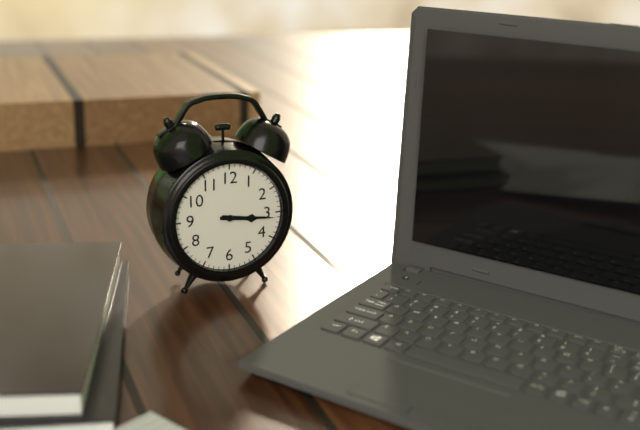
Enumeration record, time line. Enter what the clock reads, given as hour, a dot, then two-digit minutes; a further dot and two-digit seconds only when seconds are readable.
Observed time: 3.16
